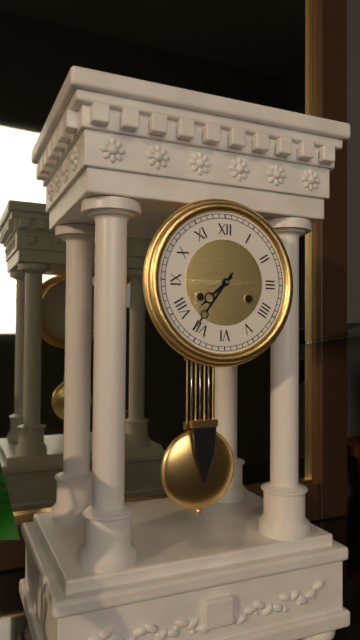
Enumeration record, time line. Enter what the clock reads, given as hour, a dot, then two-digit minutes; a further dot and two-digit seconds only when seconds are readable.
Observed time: 7.36
